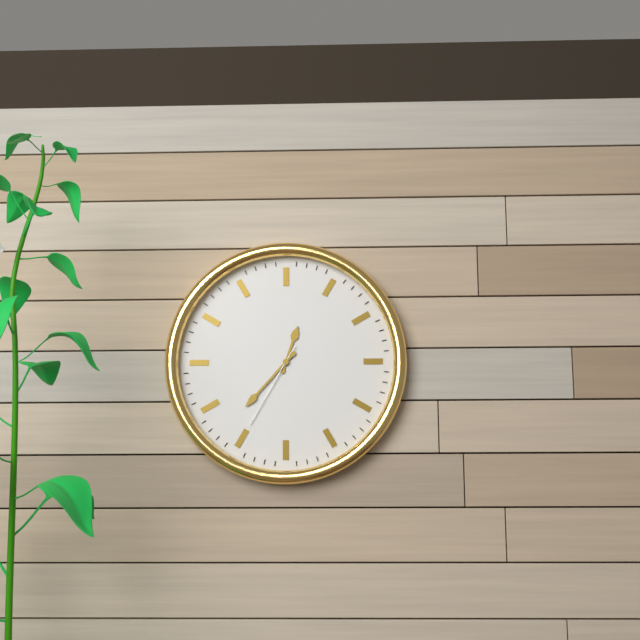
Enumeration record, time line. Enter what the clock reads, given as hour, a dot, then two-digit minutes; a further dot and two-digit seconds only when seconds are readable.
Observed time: 12.37.35
